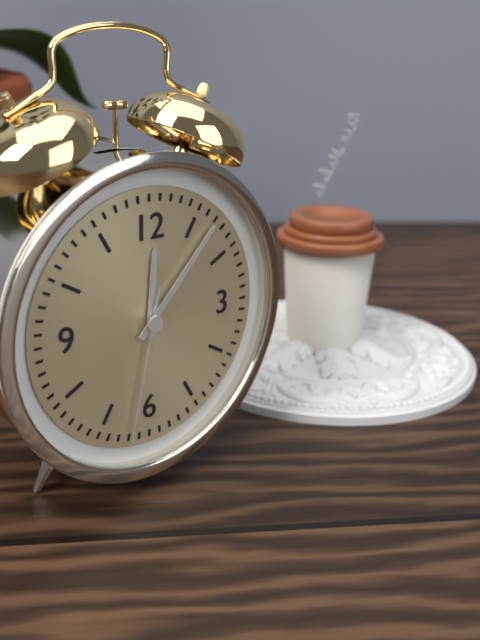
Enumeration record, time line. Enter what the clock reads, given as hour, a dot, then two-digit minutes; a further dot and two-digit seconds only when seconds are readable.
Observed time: 12.07.32
